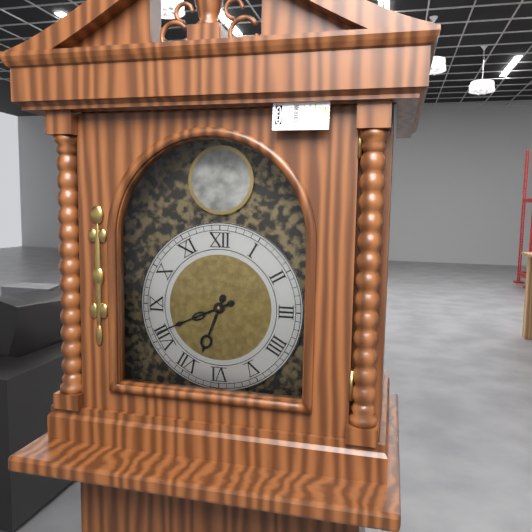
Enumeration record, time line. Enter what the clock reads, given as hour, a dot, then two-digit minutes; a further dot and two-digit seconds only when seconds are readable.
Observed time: 6.41
